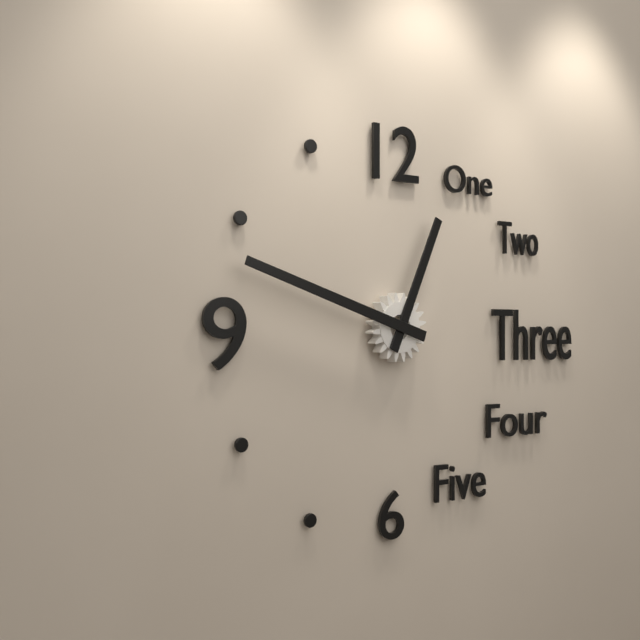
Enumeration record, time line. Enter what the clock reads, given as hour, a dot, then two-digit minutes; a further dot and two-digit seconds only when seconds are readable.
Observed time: 12.48
